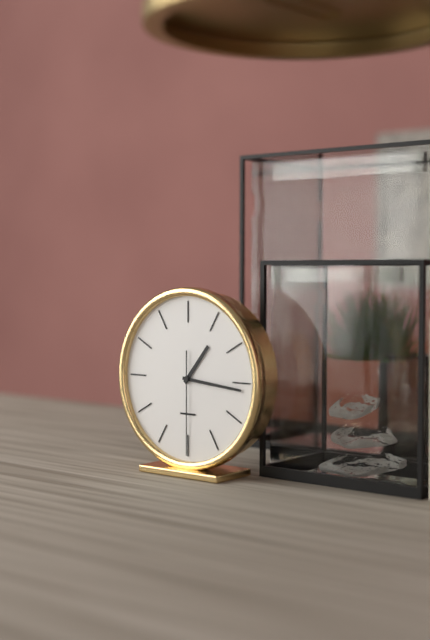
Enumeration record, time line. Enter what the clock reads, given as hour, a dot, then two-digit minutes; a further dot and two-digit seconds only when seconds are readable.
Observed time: 1.16.30
